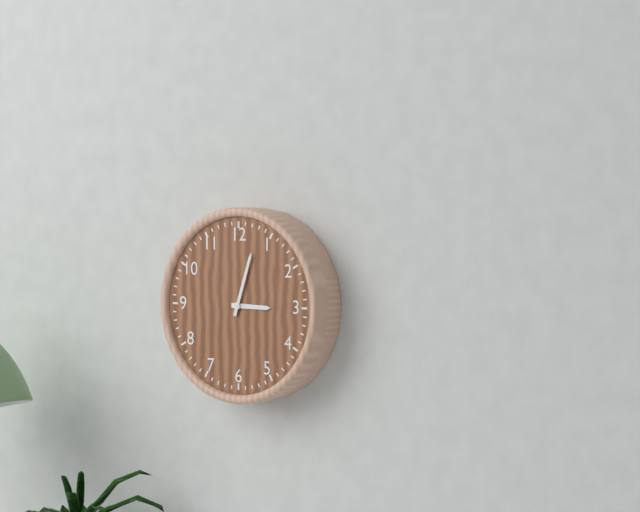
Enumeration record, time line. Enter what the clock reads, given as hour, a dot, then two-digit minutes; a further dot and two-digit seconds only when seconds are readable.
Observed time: 3.03
